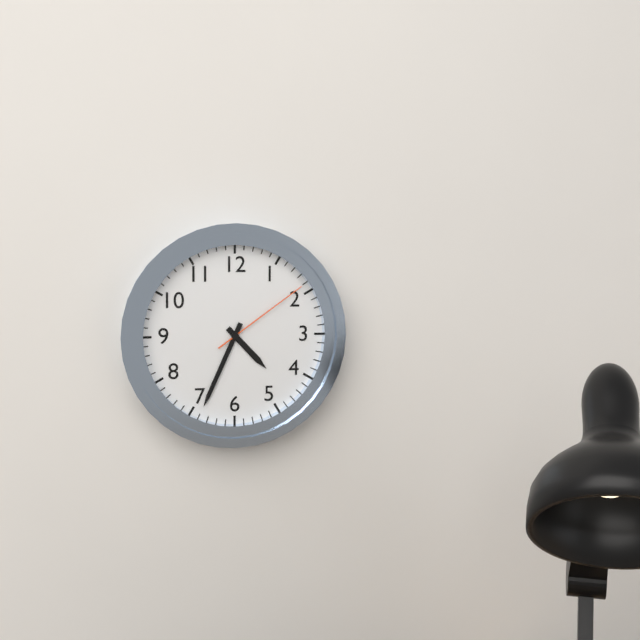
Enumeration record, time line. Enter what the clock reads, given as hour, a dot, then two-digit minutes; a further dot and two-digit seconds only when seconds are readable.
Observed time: 4.34.09
